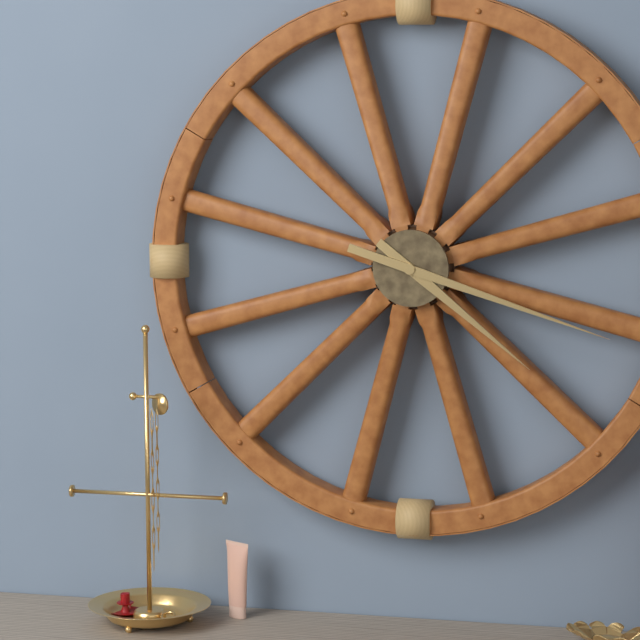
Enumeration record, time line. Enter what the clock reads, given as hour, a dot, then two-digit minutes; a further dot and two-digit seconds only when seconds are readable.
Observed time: 4.18
